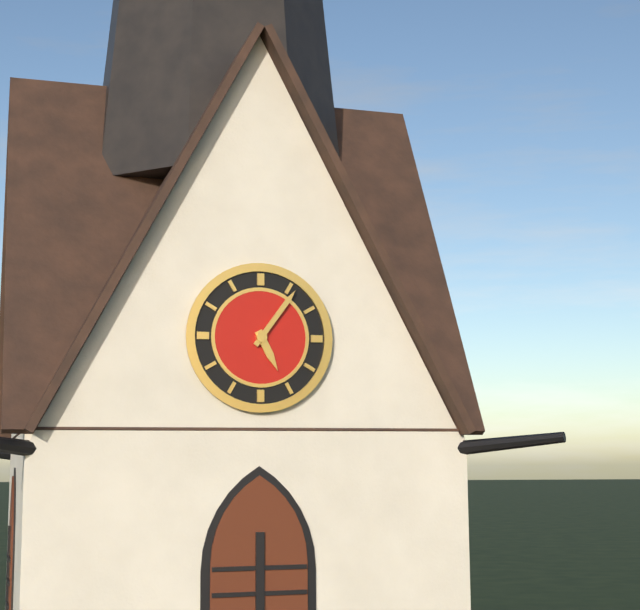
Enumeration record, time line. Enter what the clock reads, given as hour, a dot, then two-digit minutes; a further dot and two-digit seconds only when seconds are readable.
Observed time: 5.06
